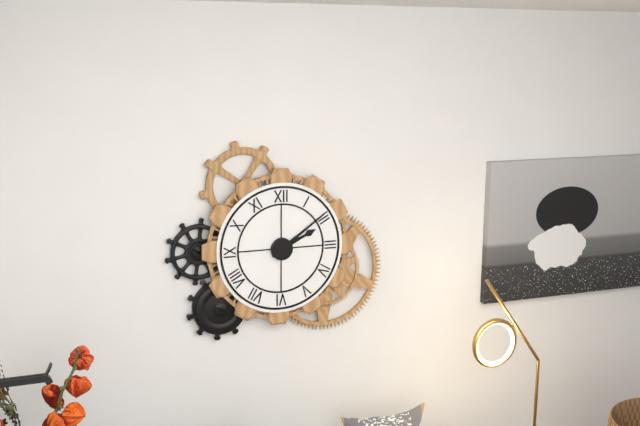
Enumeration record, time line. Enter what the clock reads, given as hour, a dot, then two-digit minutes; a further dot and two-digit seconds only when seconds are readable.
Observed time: 2.09
